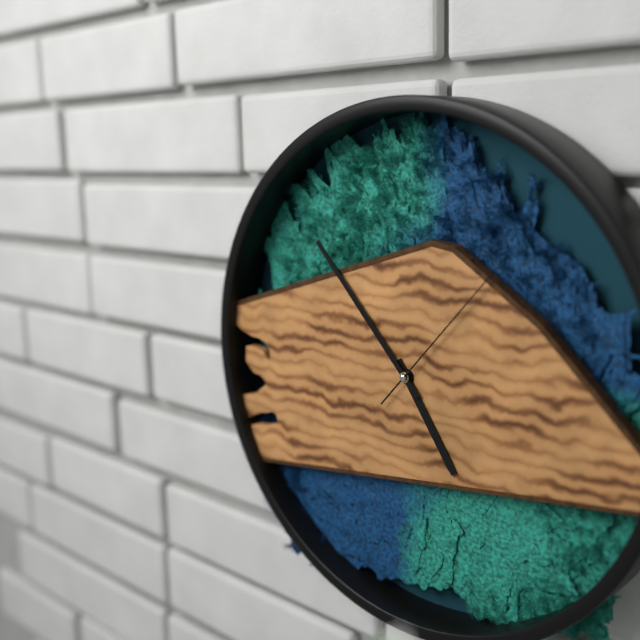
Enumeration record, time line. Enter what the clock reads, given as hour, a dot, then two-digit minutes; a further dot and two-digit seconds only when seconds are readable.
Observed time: 4.53.07
